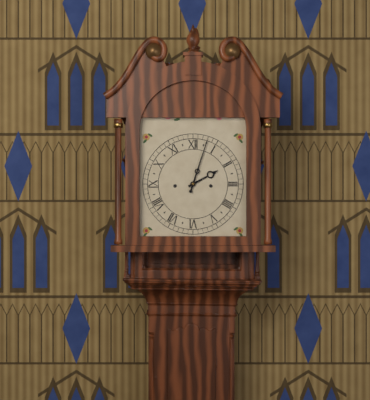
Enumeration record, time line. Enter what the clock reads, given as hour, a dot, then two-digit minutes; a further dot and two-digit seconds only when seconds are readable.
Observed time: 2.03
